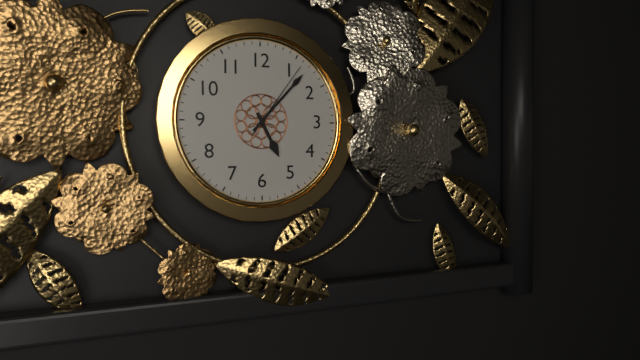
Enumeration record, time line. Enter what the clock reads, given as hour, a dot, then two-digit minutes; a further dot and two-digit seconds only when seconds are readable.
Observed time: 5.07.06
